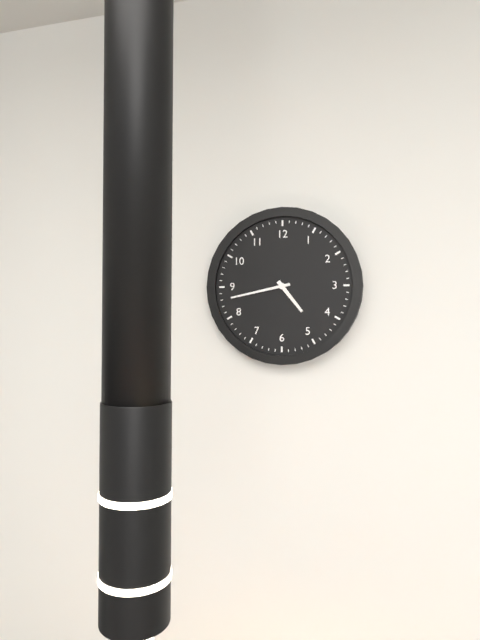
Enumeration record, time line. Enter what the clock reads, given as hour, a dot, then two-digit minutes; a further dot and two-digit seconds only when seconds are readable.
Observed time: 4.43
